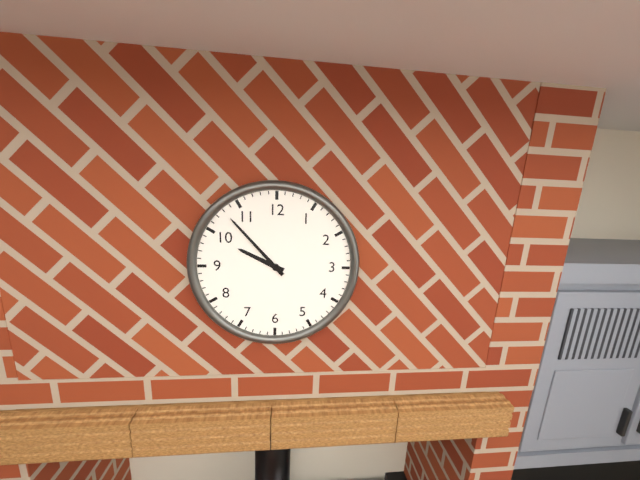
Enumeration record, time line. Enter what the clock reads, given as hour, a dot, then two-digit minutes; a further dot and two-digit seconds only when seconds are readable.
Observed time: 9.53
